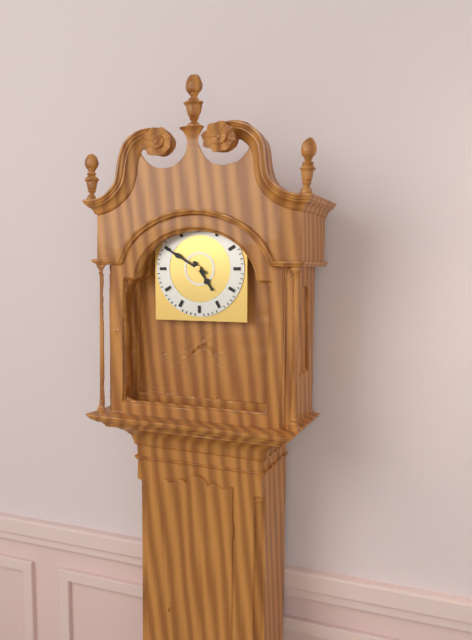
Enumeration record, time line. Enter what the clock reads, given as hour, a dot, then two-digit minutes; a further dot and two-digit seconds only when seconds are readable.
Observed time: 4.50
